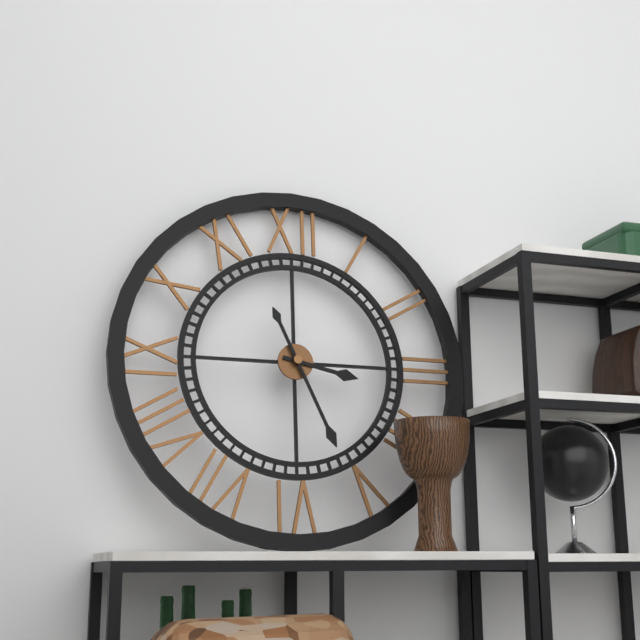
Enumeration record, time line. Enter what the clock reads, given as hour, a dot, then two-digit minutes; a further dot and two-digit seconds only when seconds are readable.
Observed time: 3.26
